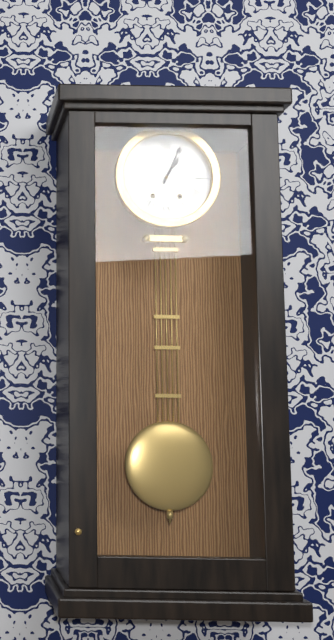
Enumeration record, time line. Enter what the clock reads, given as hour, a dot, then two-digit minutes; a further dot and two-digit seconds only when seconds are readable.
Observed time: 1.04
